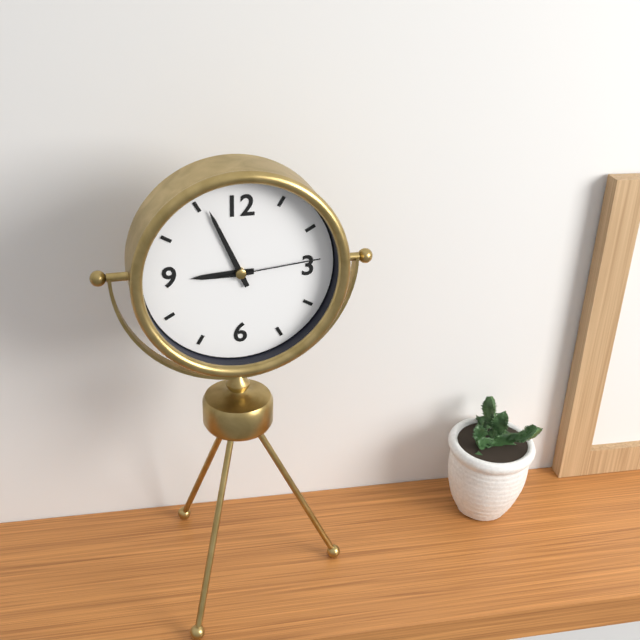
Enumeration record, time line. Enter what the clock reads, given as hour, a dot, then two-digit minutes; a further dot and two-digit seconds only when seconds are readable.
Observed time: 8.56.14
